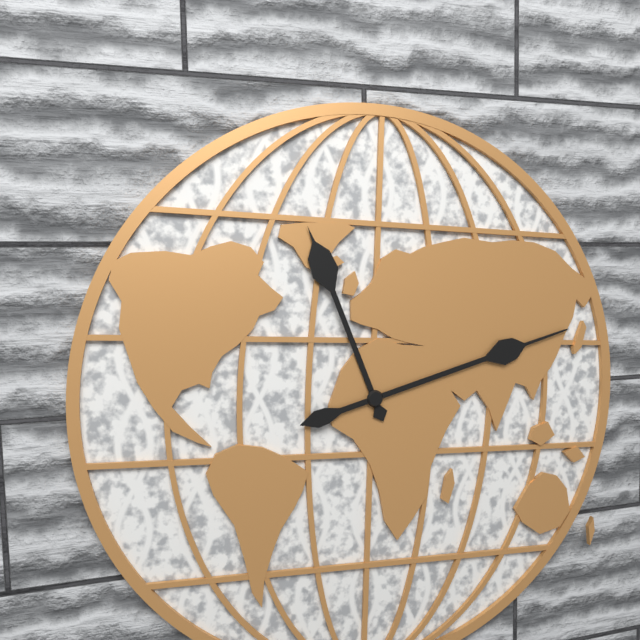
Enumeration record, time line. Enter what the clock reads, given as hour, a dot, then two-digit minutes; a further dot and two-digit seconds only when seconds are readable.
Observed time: 11.12
